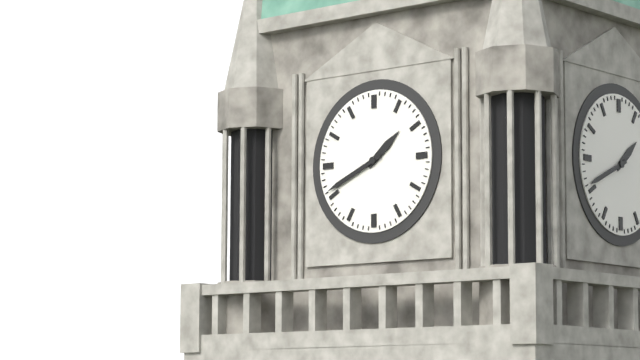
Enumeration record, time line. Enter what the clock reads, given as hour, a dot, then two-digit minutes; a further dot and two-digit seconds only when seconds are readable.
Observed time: 1.41
